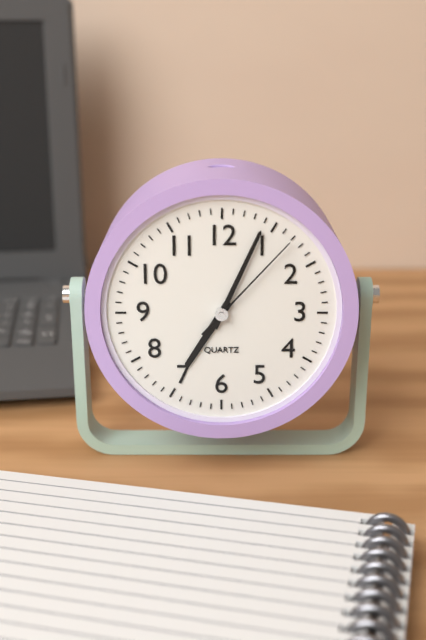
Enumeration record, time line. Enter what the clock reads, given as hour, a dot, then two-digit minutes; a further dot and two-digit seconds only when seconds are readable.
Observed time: 7.04.07
